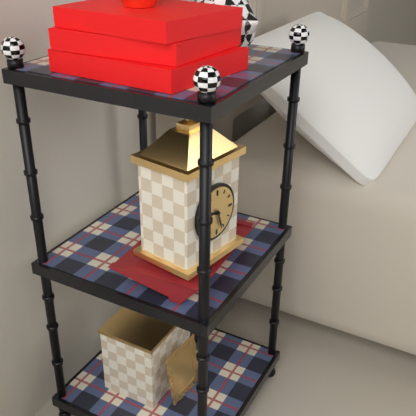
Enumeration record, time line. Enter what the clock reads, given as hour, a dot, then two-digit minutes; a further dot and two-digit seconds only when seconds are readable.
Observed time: 9.27
